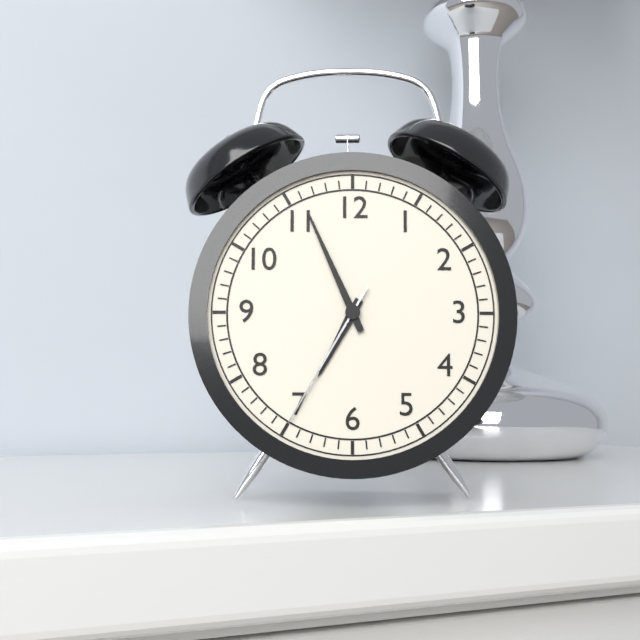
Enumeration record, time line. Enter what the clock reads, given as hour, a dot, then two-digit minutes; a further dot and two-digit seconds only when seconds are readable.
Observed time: 6.56.35
